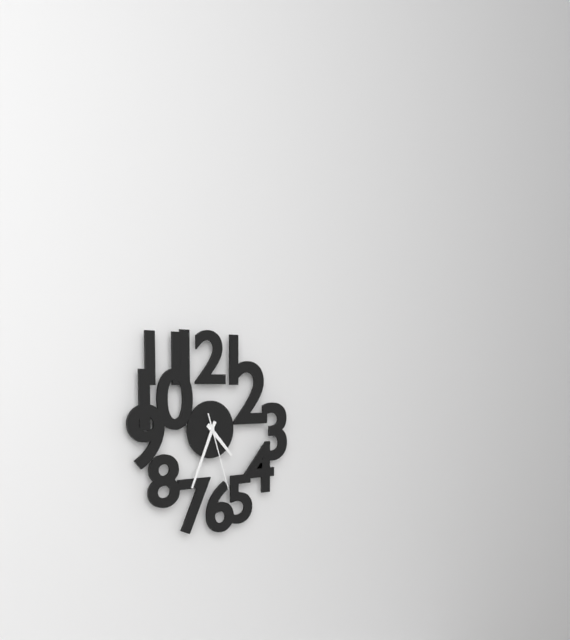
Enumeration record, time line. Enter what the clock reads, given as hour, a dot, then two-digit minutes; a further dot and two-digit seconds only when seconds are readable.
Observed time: 4.34.27
